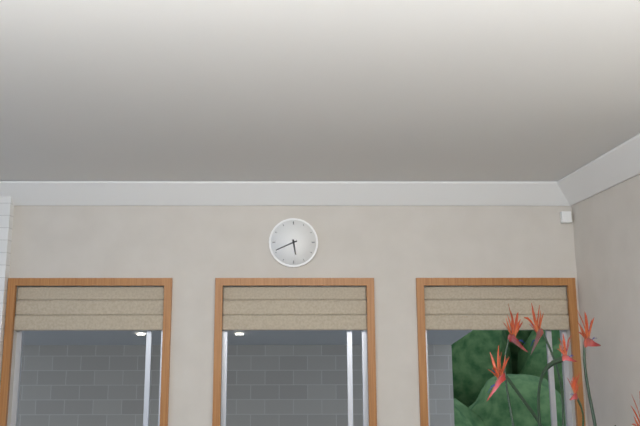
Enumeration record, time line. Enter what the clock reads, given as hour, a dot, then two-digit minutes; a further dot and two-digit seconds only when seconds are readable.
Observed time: 5.41
